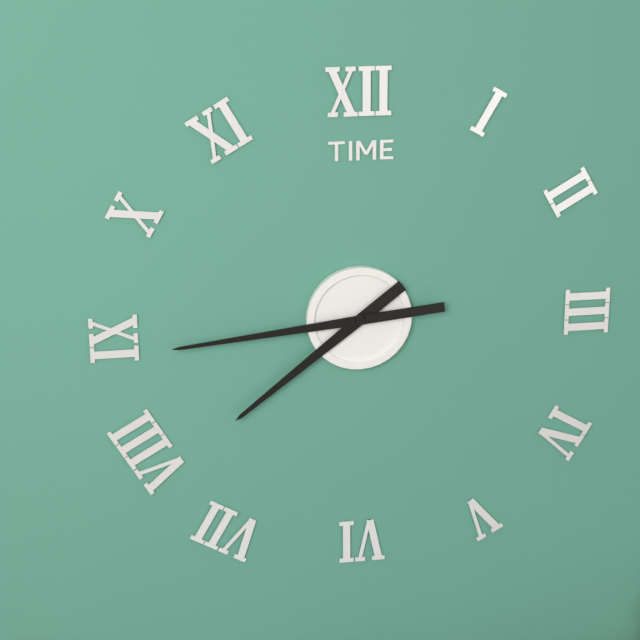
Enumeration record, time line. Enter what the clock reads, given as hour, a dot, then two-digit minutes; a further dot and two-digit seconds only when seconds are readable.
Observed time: 7.44
